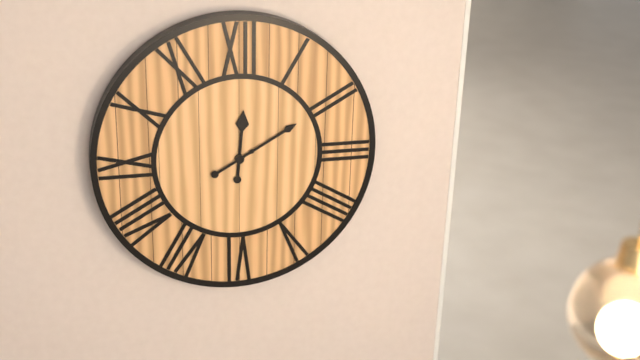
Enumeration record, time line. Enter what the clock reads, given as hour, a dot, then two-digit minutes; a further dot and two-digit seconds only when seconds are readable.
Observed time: 12.10
